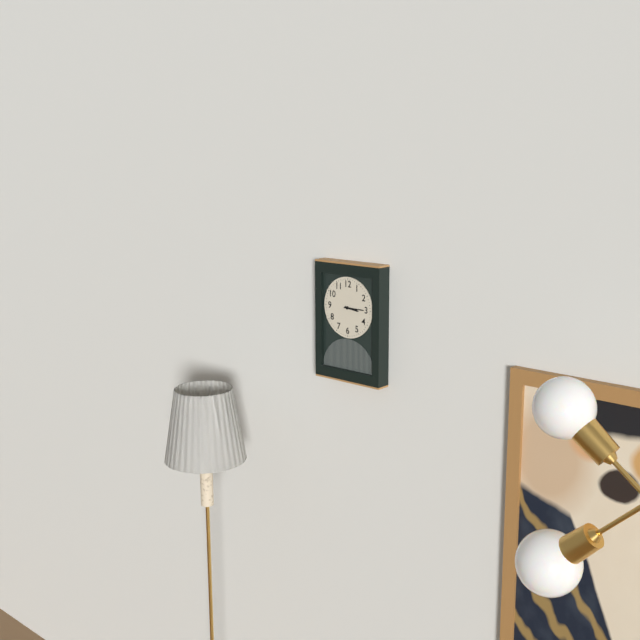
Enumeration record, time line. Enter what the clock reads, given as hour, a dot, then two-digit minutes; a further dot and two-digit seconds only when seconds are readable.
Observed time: 3.15
